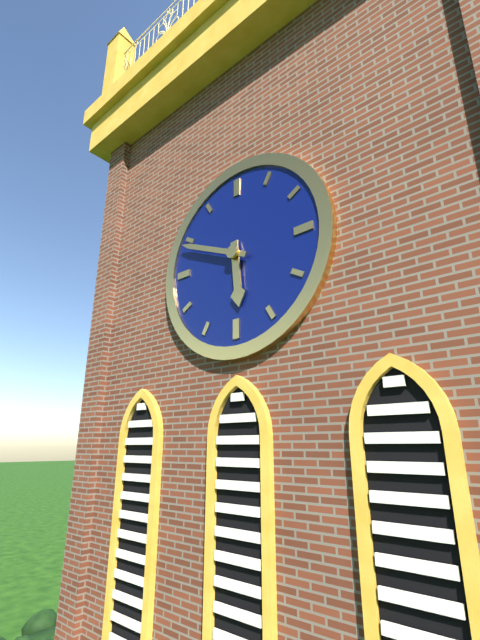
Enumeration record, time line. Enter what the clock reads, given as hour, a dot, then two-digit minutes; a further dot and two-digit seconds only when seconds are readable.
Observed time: 5.49
